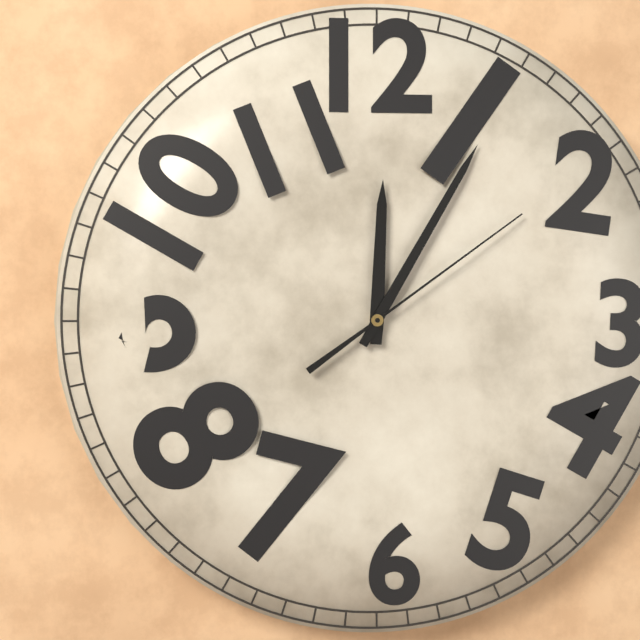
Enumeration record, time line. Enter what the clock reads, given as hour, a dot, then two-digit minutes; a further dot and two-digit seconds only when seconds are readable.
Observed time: 12.05.09
